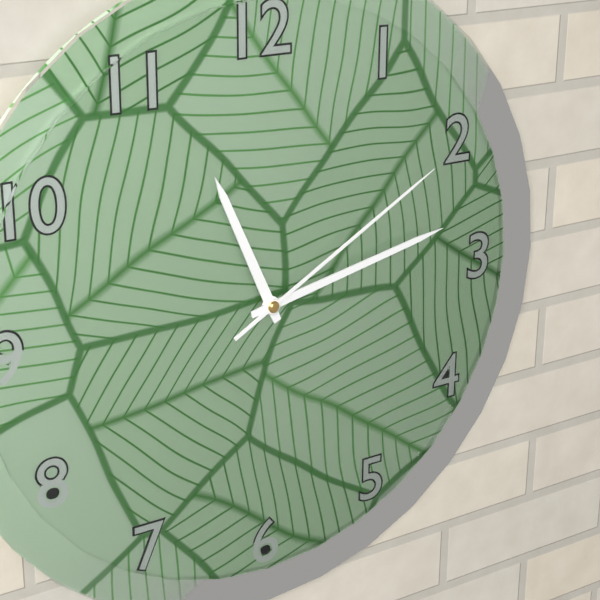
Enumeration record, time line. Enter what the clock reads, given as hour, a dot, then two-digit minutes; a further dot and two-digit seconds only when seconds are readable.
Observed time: 11.13.10
